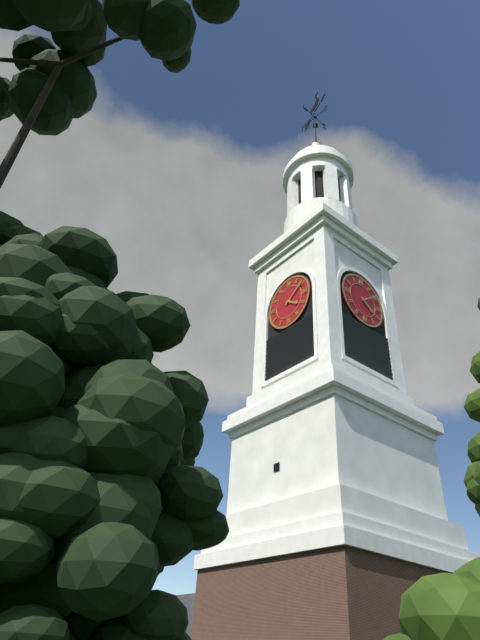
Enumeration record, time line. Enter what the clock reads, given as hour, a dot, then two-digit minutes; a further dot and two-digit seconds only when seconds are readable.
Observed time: 4.09
